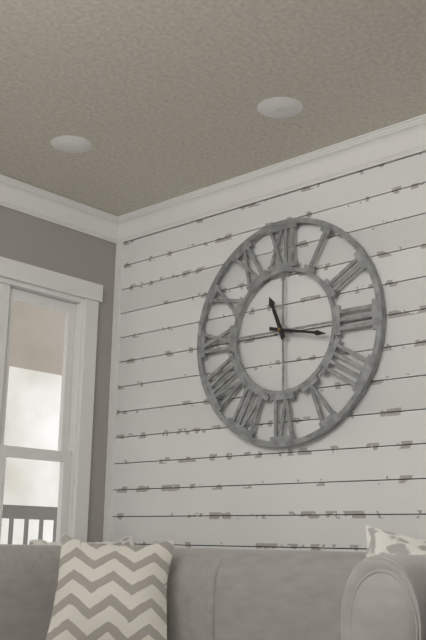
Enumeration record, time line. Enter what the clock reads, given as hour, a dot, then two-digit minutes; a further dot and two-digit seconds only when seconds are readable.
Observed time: 11.17
